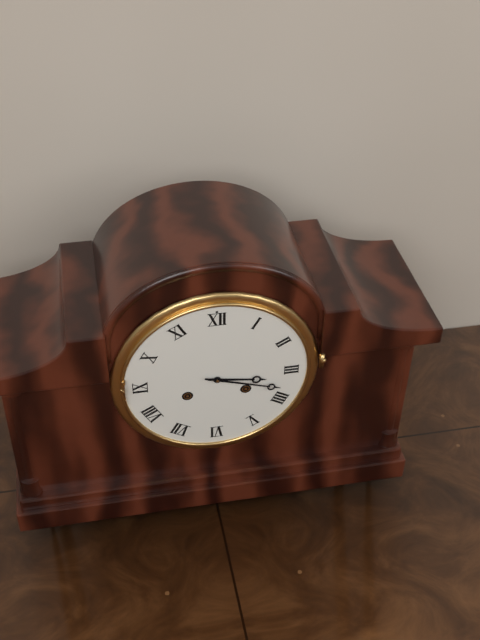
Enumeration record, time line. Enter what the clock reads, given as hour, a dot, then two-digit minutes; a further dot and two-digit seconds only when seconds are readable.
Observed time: 3.18
